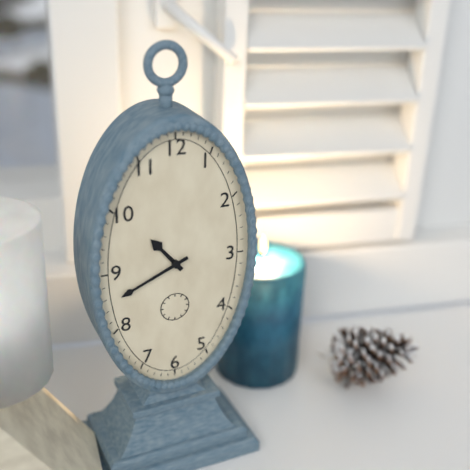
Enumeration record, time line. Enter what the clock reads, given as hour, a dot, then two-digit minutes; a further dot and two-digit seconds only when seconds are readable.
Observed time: 10.41
